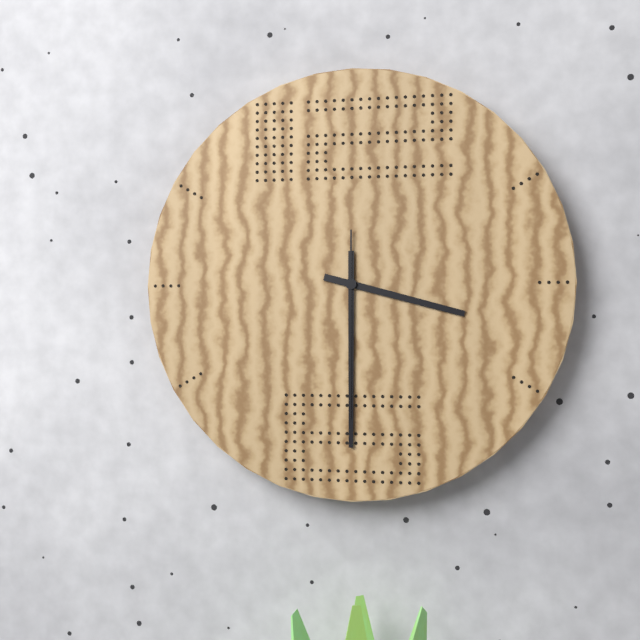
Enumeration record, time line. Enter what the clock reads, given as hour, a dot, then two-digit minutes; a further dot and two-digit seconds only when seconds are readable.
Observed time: 3.30.30
